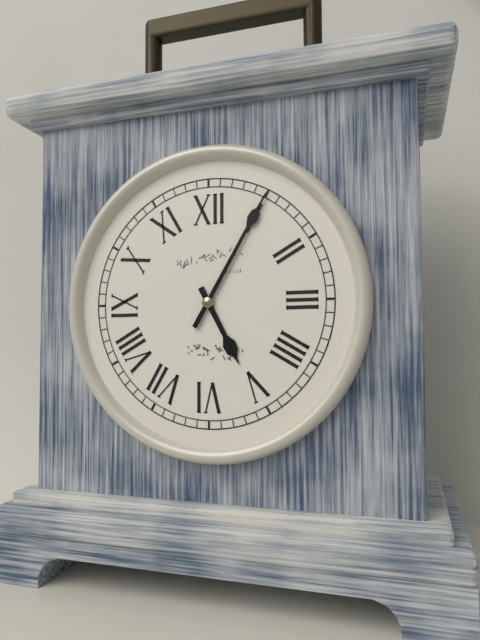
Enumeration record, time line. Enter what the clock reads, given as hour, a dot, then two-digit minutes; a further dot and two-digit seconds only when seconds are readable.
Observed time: 5.05
